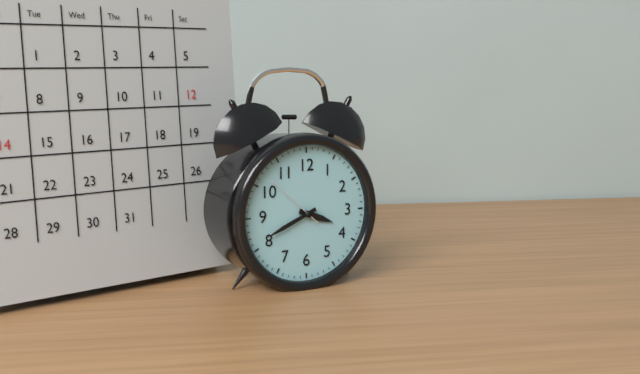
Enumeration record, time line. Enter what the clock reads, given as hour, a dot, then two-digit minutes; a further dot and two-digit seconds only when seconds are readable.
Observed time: 3.41.52
